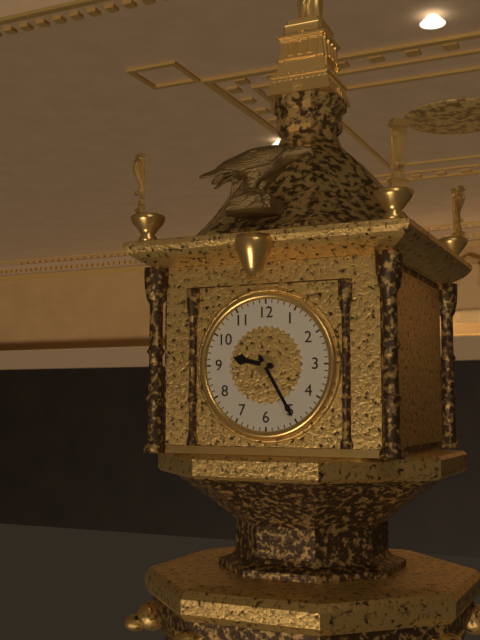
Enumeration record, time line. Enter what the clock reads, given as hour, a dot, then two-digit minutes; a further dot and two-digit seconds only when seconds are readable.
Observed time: 9.25
